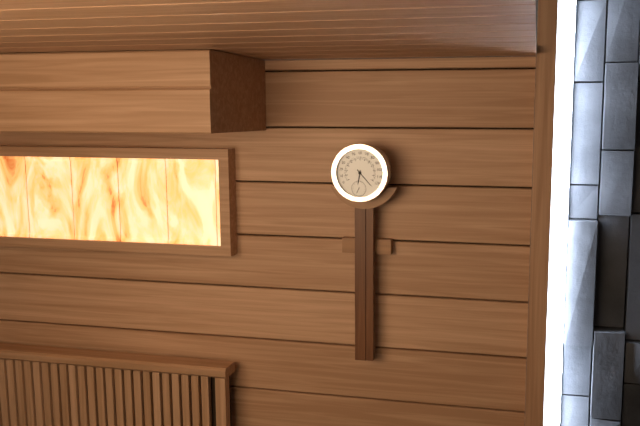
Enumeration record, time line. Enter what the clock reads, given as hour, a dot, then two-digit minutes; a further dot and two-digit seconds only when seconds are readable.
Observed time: 6.23
